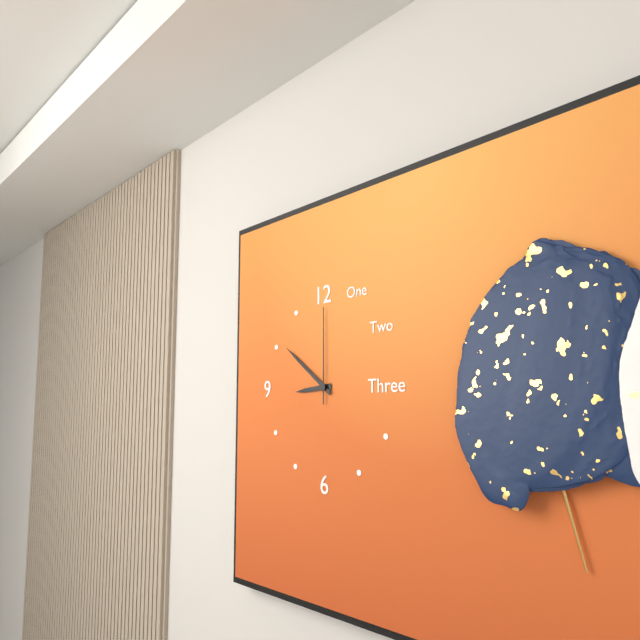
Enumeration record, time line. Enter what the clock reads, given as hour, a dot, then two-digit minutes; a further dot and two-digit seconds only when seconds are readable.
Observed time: 8.51.00
